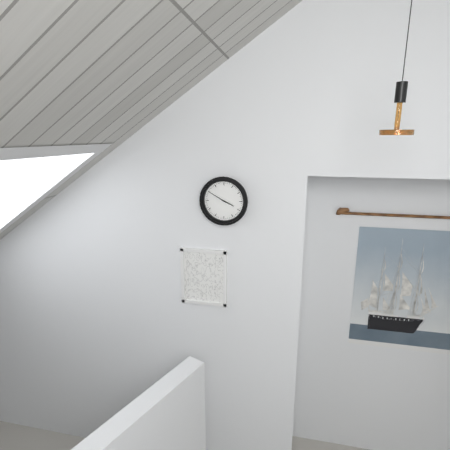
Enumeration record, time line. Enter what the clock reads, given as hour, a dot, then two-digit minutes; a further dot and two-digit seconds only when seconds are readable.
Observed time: 3.50
